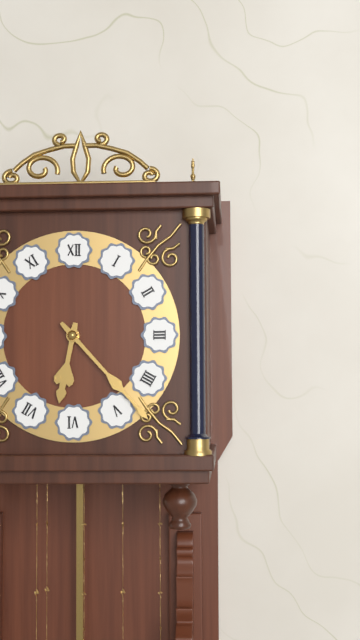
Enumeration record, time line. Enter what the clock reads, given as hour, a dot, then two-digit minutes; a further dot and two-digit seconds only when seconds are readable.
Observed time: 6.23
